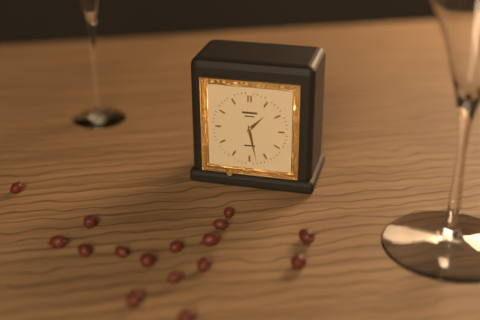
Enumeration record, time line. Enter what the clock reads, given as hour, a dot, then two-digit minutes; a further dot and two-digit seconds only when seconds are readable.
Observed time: 1.28
